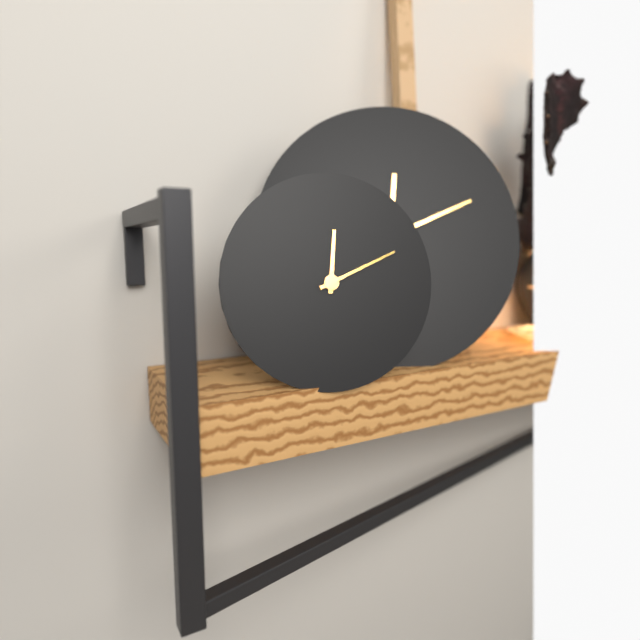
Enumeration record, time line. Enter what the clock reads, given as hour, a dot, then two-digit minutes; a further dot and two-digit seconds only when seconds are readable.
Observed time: 12.11
